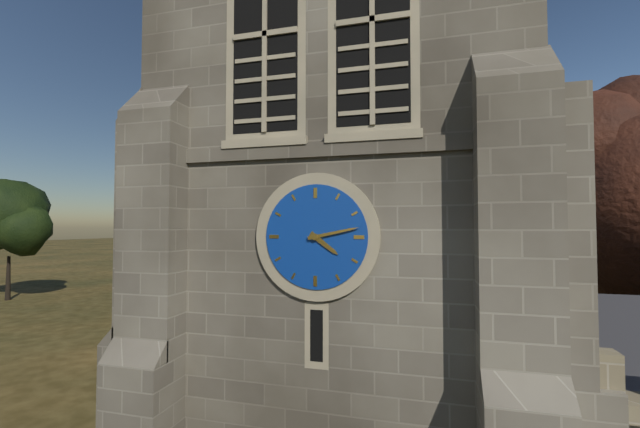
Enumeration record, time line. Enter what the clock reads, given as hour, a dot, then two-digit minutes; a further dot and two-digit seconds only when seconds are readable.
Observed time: 4.13
